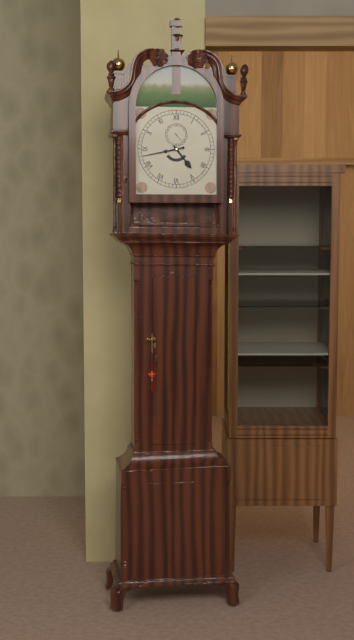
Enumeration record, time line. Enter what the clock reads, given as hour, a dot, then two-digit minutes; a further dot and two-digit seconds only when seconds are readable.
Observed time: 4.43
